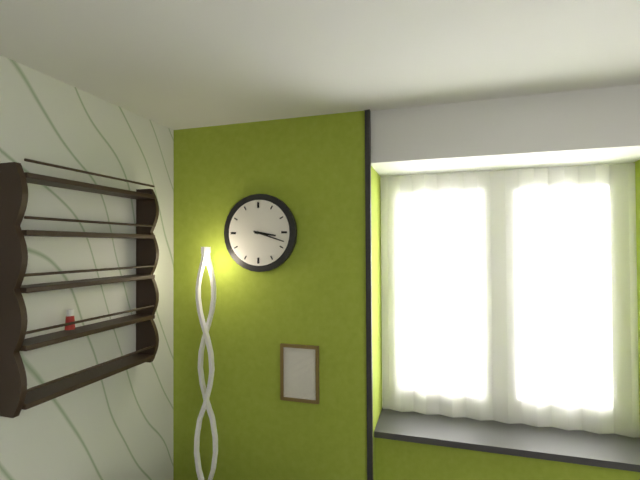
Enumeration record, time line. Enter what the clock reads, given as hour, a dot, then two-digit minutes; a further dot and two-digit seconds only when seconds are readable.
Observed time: 3.18
